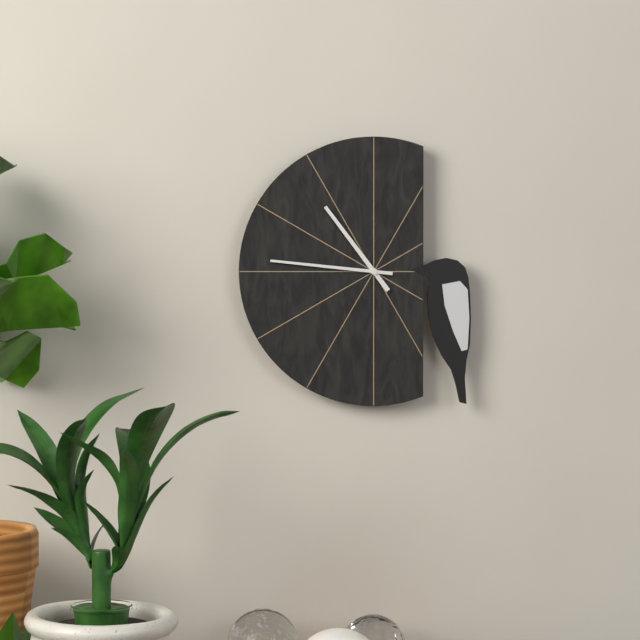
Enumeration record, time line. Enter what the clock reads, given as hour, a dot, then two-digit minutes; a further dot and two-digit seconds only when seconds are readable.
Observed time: 10.46
